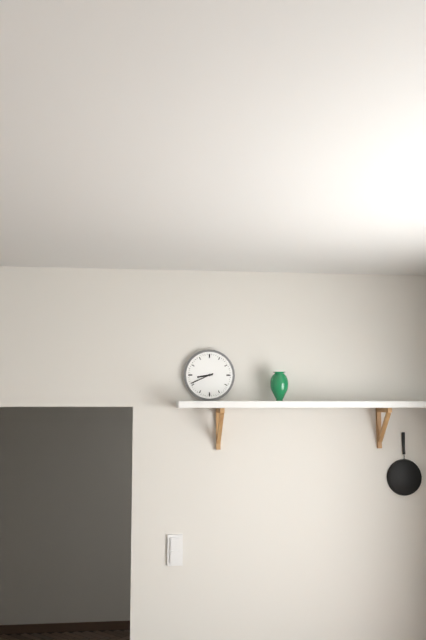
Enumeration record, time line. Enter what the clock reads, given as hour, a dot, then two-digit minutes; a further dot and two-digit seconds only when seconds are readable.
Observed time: 8.41
